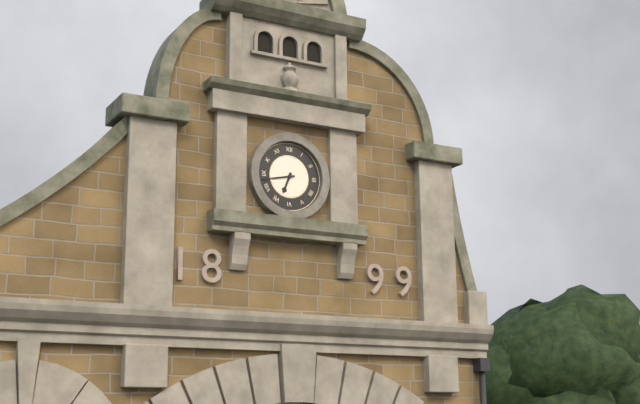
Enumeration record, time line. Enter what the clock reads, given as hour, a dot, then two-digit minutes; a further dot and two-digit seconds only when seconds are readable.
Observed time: 6.43
